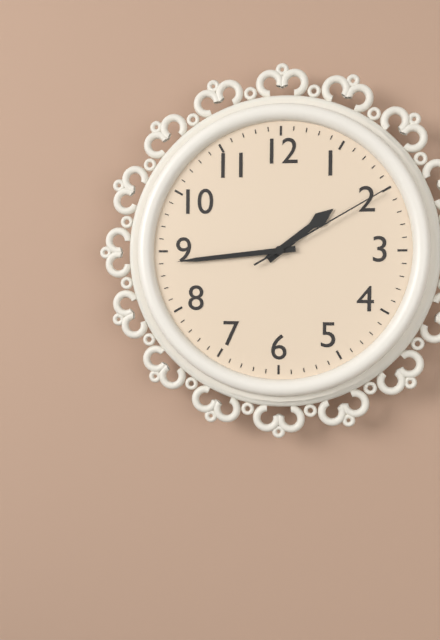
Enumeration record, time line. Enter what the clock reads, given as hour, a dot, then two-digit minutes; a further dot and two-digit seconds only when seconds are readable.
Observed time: 1.44.10
